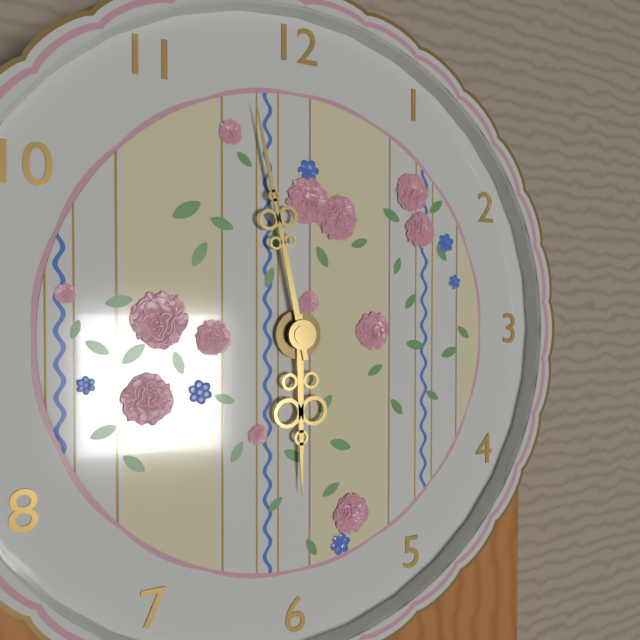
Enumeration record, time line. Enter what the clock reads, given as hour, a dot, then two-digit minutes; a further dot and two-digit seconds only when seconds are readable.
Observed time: 5.58
